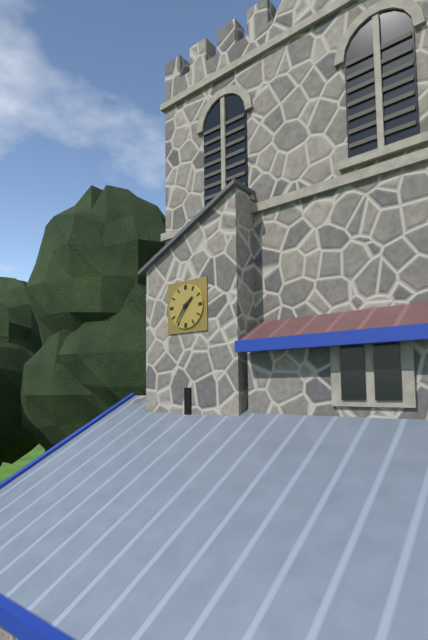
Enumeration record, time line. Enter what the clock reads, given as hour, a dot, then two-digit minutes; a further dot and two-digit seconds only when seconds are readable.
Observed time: 1.36
